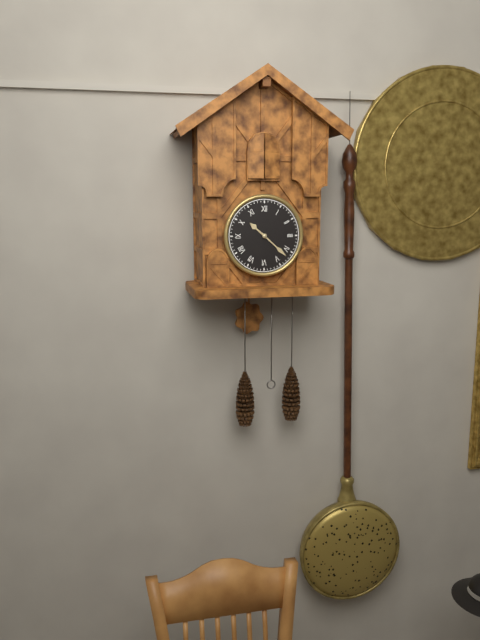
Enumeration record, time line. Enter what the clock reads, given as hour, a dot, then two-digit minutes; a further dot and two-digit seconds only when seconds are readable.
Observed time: 10.22
